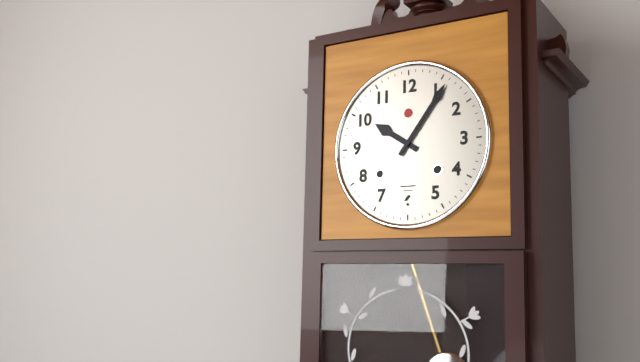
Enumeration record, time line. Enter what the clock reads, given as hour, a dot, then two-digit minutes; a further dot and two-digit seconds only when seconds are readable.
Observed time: 10.06
